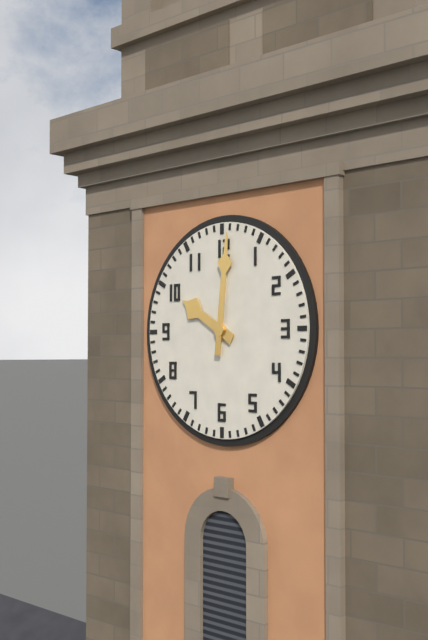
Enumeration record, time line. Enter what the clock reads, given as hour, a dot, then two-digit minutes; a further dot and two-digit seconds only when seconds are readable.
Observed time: 10.01
